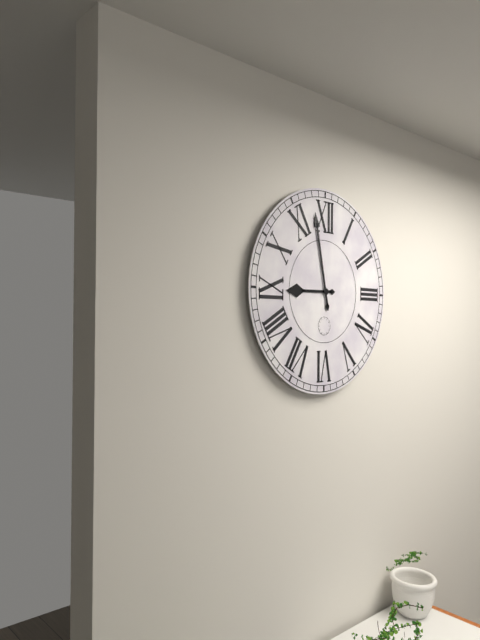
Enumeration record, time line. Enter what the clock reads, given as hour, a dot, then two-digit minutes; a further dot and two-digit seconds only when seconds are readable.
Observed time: 8.58
